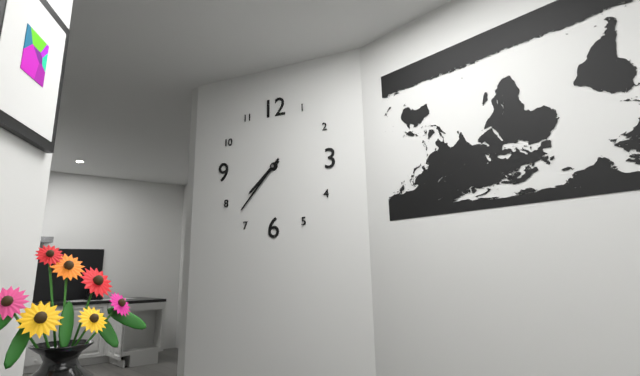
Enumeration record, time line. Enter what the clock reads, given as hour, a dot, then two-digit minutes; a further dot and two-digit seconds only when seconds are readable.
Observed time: 7.37
